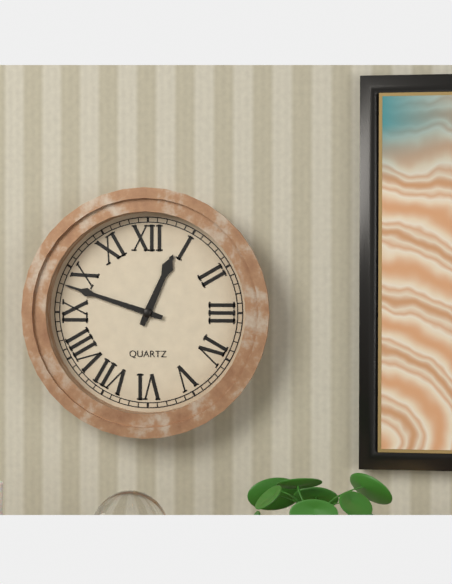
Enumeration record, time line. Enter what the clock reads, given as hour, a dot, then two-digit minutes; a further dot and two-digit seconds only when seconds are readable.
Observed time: 12.48
